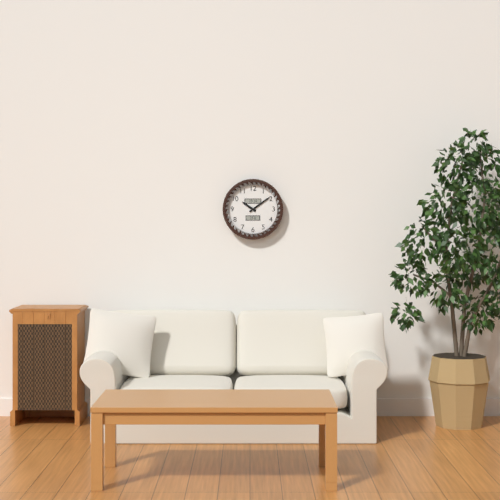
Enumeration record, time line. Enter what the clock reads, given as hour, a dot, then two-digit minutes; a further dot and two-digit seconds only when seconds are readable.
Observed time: 10.09
